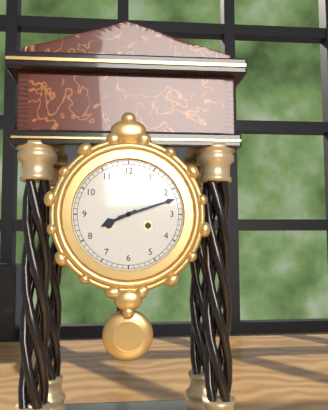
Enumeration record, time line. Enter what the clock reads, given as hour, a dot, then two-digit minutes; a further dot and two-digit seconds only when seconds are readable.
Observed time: 8.12
